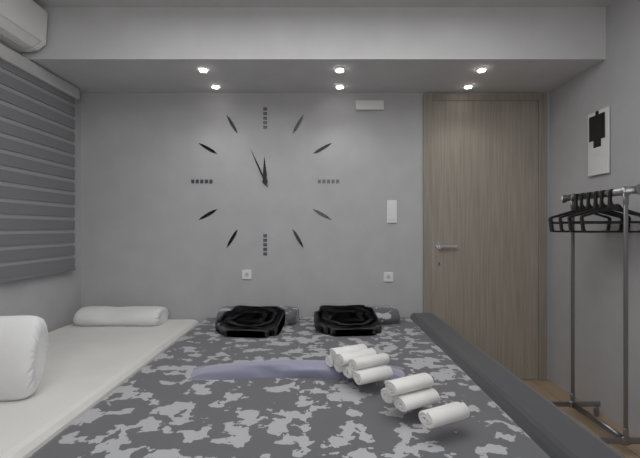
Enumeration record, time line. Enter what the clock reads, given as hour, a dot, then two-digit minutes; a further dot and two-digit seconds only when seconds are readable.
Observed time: 11.56
